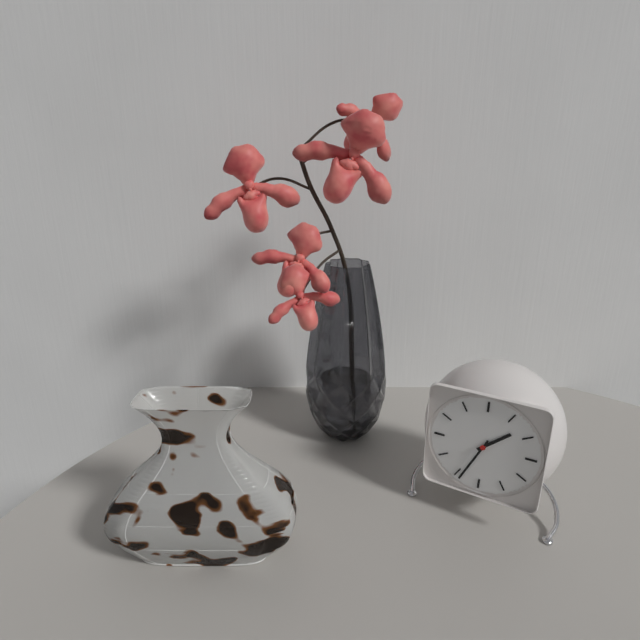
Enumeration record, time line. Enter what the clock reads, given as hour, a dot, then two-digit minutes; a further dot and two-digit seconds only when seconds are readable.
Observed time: 1.34
